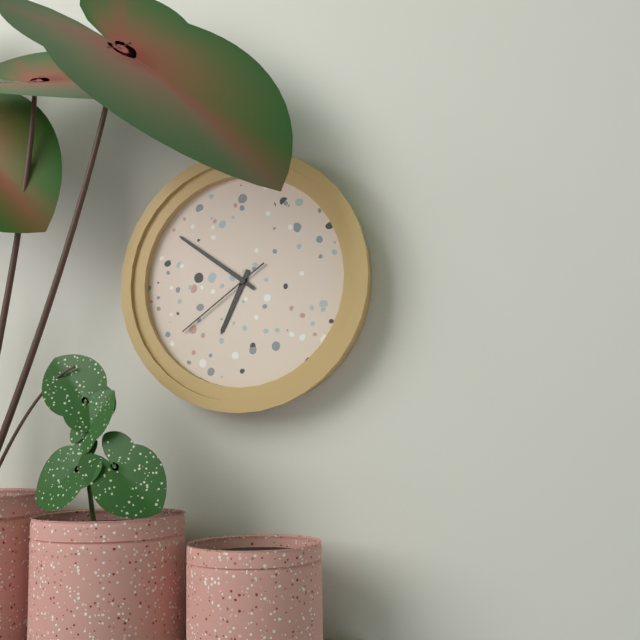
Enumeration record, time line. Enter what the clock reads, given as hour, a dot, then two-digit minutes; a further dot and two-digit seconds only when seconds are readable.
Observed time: 6.51.39
